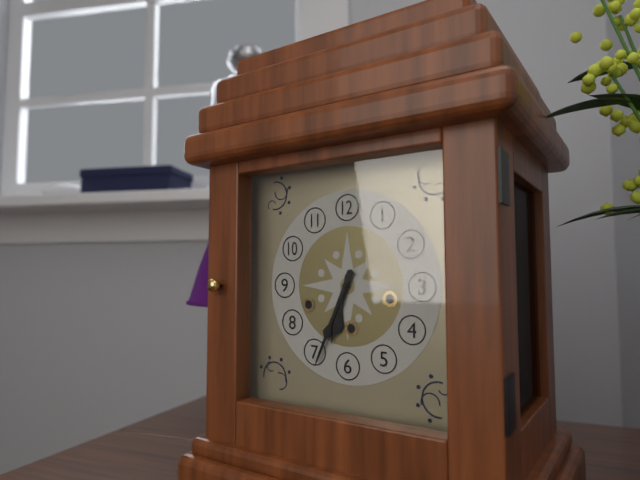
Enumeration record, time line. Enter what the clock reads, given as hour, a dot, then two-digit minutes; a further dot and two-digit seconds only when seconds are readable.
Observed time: 6.34
